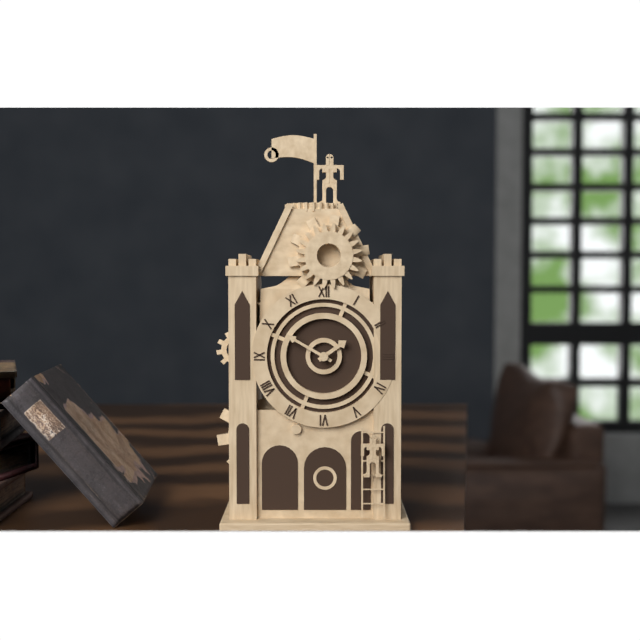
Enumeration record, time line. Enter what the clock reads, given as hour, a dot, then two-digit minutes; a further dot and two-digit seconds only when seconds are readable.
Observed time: 1.50
